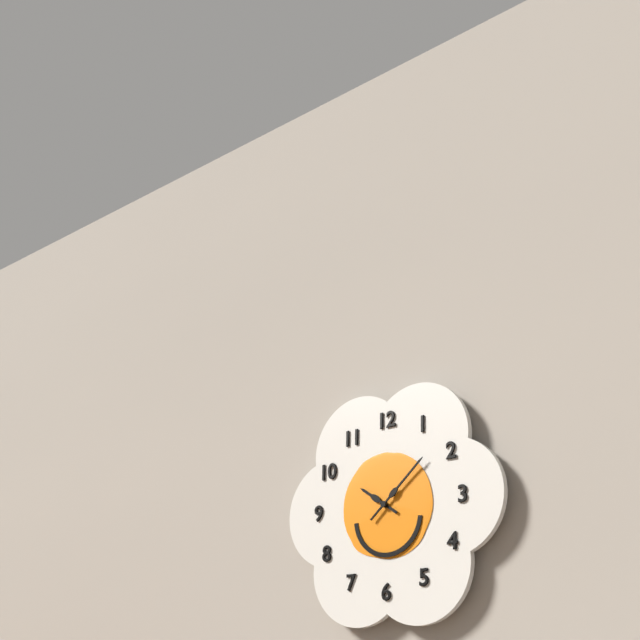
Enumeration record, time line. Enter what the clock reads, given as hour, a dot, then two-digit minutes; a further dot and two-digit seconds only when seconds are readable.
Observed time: 10.08
